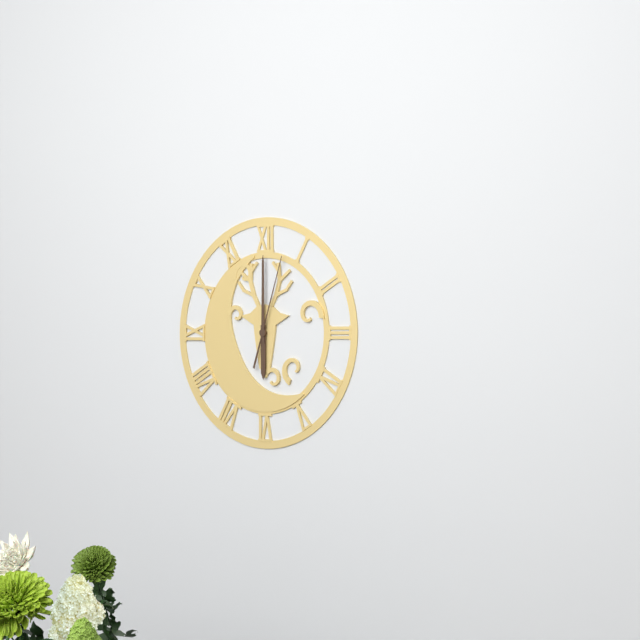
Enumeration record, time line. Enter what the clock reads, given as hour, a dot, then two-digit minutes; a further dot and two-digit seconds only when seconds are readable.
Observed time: 6.00.03
